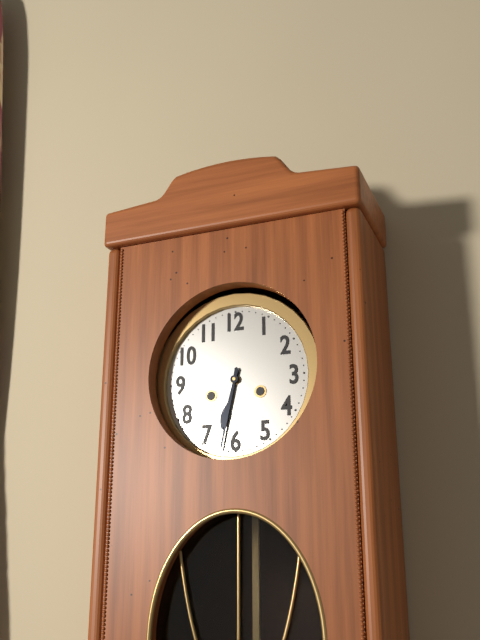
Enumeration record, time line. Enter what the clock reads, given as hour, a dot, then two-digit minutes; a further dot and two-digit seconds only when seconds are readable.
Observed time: 6.32
